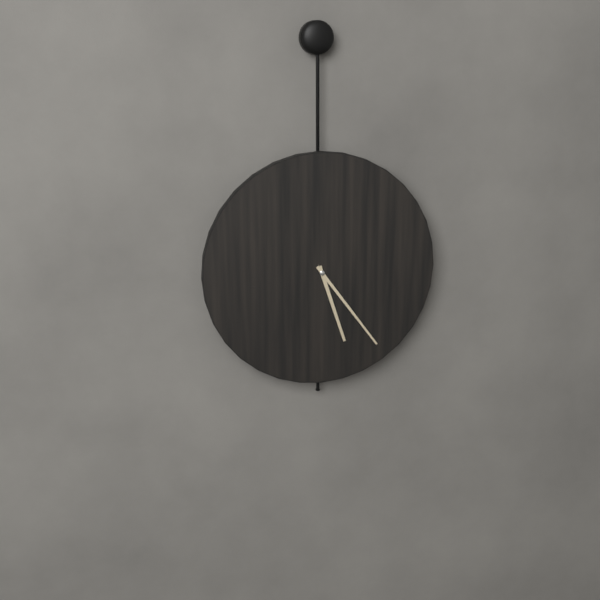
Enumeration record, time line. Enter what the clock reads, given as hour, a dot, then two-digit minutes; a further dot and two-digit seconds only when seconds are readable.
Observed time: 5.24
